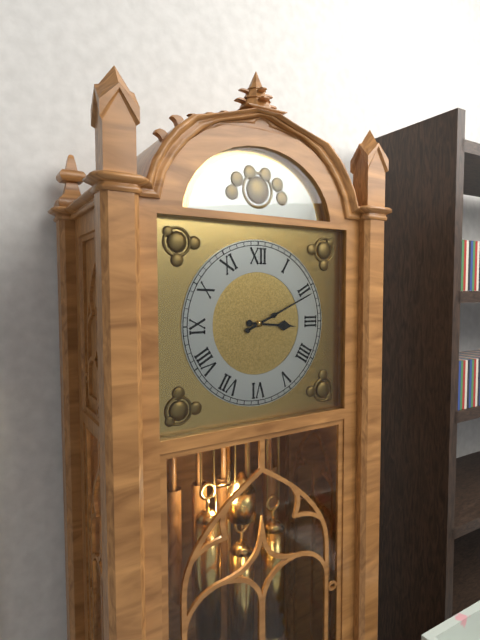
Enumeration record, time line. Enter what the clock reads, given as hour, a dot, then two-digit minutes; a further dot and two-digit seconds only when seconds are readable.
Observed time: 3.11
